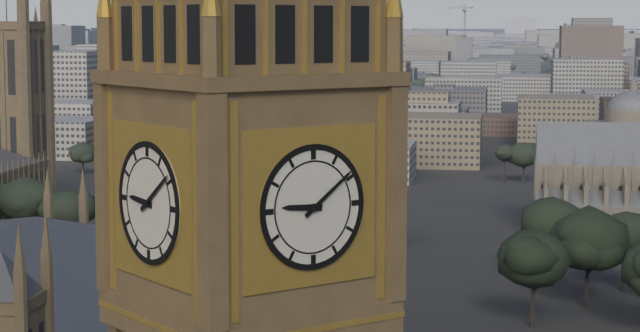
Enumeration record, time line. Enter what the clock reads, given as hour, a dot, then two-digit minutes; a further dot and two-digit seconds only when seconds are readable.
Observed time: 9.09
